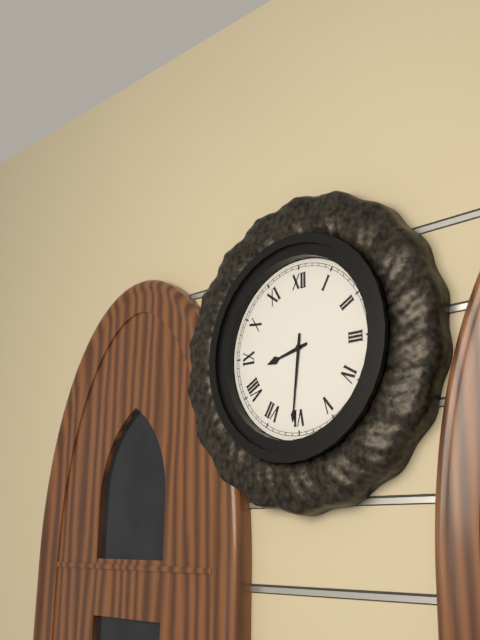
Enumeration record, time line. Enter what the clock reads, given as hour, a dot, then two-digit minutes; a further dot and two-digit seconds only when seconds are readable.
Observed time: 8.31
